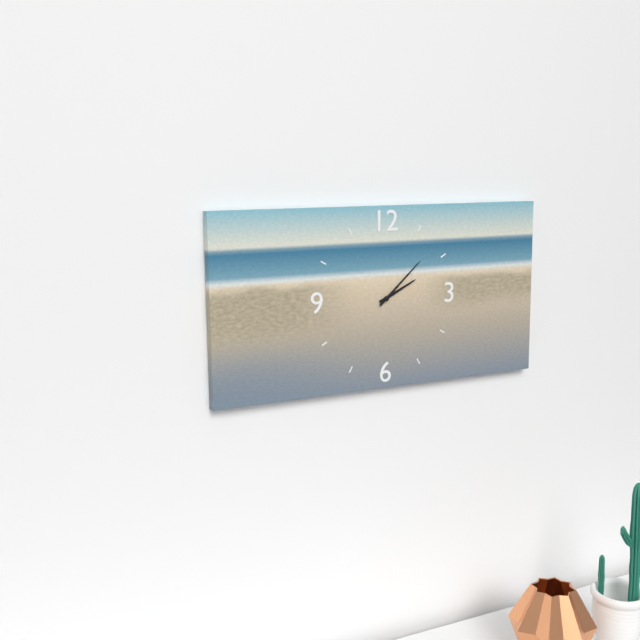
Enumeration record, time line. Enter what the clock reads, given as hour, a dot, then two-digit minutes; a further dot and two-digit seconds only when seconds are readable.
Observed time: 2.08
